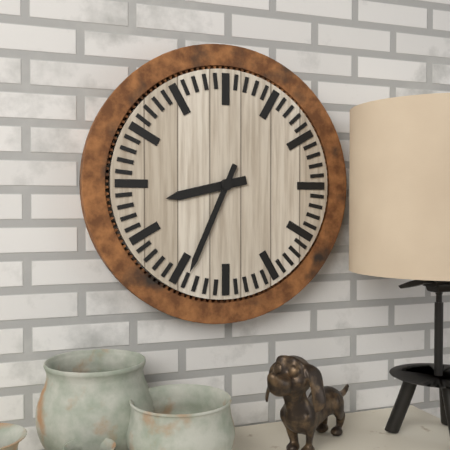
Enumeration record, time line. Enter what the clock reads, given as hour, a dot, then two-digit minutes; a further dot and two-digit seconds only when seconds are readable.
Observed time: 8.34
